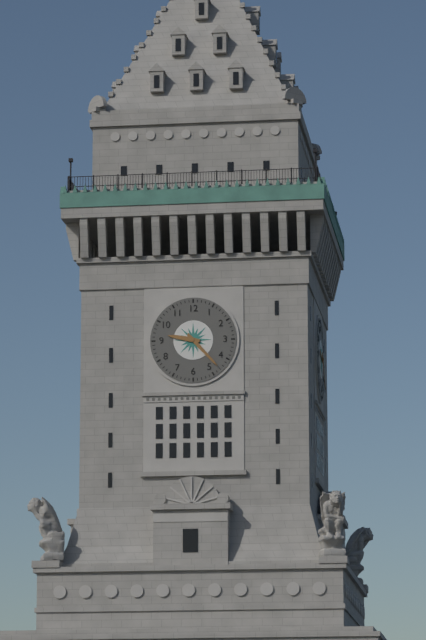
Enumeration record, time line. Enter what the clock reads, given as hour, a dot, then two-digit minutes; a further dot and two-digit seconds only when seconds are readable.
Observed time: 9.23
